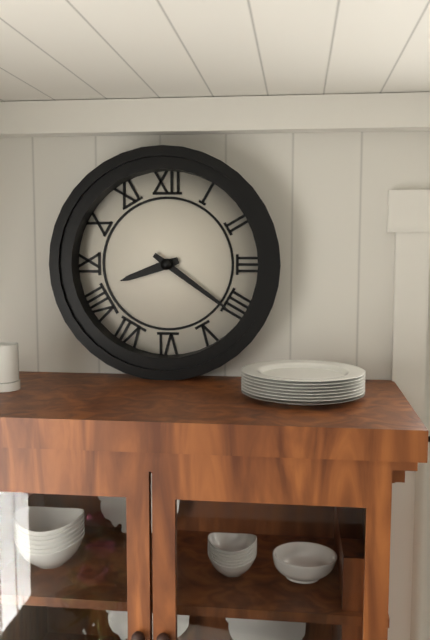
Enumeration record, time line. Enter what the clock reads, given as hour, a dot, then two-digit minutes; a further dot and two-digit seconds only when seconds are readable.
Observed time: 8.21
